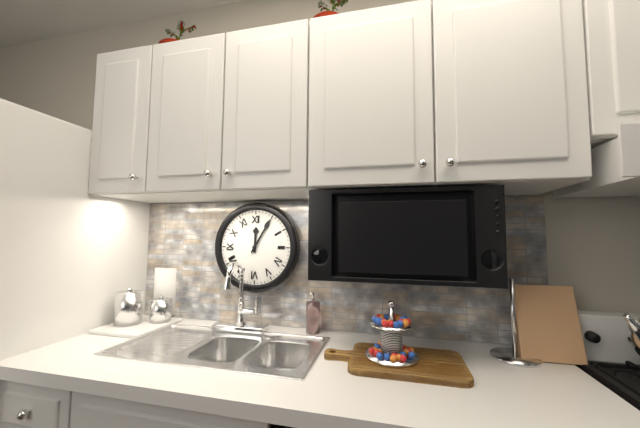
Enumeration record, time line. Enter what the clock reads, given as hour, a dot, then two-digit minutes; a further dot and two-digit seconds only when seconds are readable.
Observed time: 12.05
